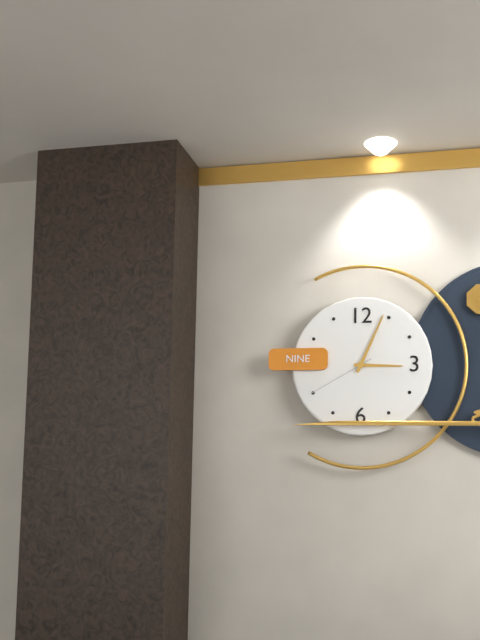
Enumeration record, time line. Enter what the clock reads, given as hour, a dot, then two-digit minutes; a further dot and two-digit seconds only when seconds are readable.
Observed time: 3.04.40
